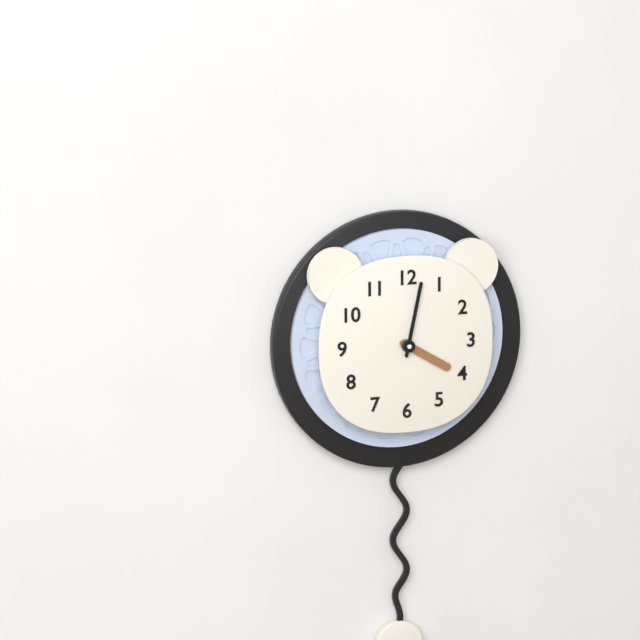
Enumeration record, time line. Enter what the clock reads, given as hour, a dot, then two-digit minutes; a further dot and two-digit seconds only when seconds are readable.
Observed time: 4.02
